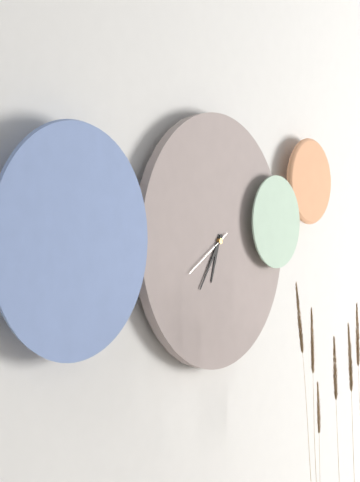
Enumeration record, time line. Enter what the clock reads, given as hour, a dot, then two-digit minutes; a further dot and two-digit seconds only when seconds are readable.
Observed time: 6.36.40
